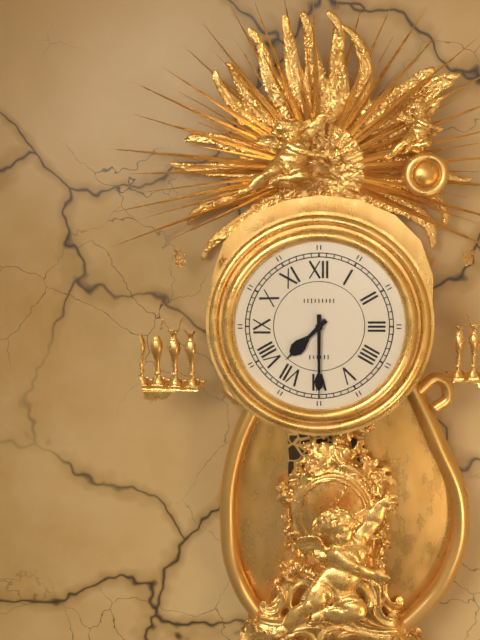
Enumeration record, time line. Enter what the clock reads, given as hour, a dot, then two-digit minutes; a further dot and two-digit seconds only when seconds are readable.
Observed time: 7.30
